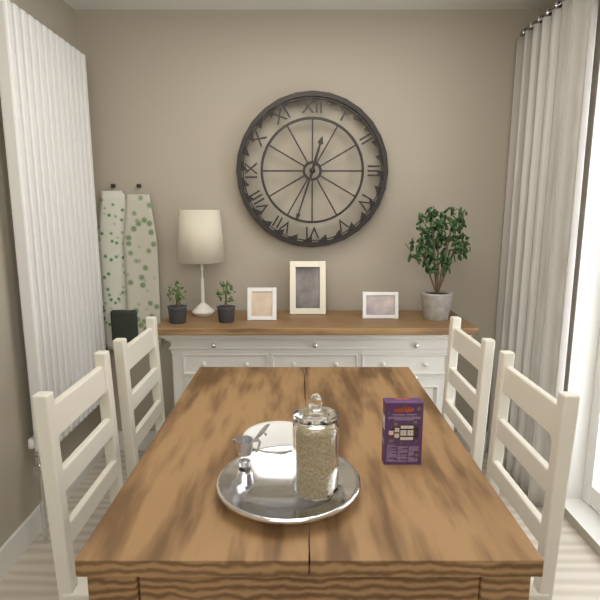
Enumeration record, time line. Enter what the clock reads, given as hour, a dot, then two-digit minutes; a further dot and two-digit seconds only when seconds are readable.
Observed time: 12.33
